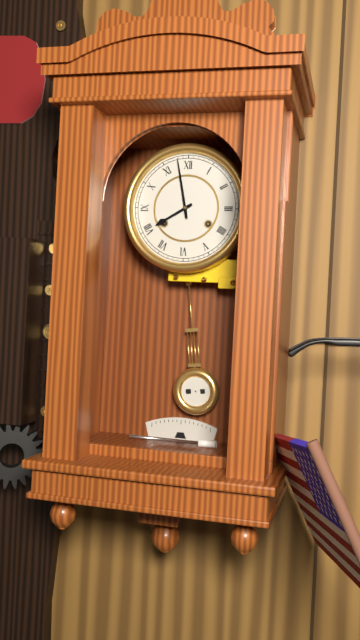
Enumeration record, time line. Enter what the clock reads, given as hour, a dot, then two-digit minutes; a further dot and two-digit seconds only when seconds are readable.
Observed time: 7.58
